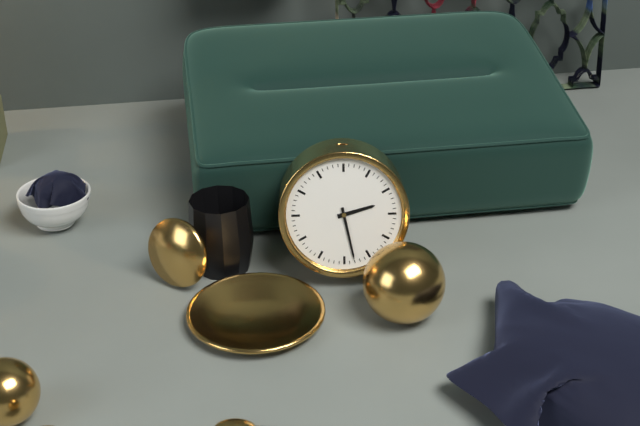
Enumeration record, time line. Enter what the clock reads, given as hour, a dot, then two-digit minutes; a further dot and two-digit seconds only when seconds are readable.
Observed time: 2.28
